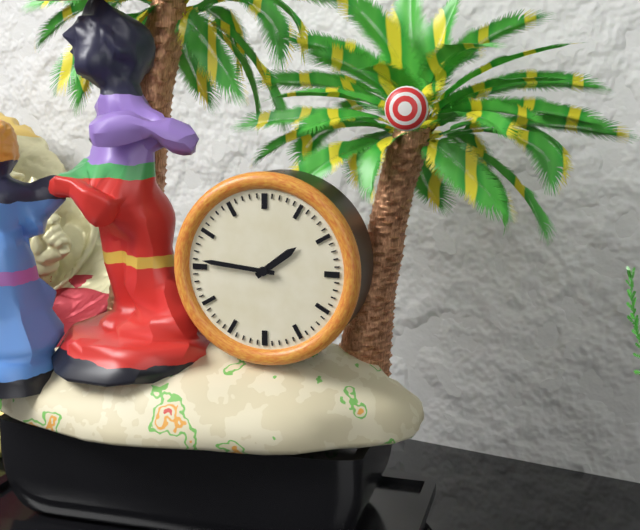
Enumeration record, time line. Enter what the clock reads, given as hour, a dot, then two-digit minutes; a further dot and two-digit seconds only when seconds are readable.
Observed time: 1.46
